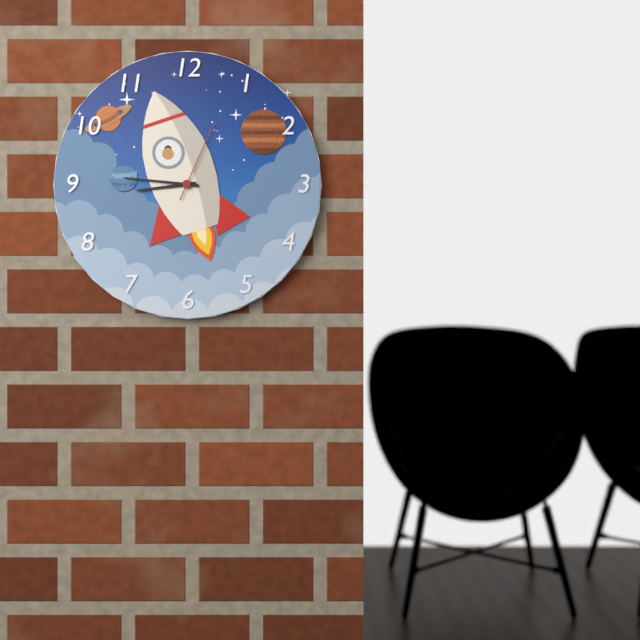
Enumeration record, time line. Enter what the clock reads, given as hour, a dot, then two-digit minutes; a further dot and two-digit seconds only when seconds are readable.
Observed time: 8.46.04
